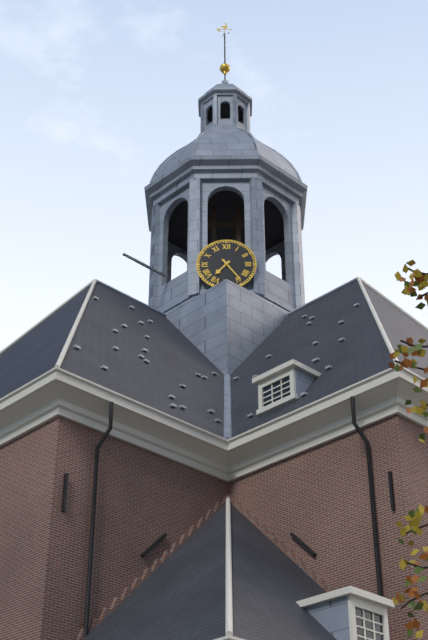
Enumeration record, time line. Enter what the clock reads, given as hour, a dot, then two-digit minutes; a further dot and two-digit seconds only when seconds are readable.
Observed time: 7.24
